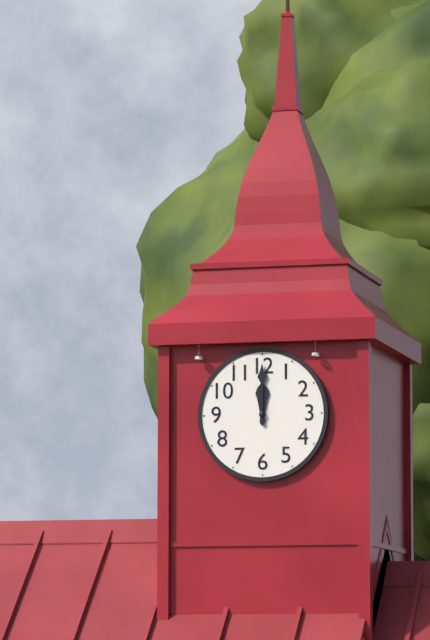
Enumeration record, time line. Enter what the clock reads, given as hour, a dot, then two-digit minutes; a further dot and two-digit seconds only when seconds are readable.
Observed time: 12.00
